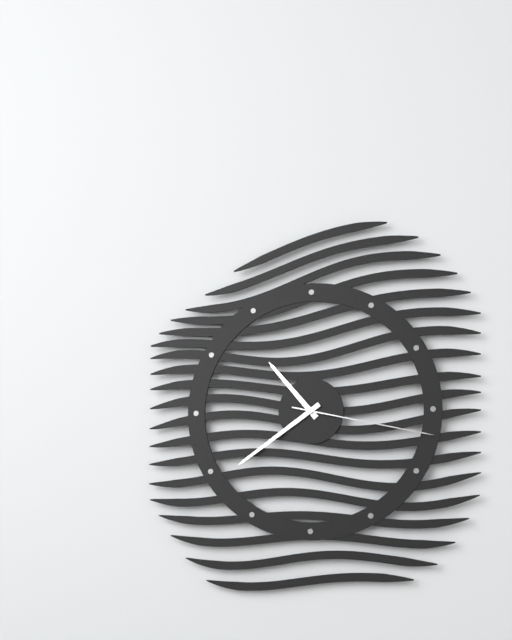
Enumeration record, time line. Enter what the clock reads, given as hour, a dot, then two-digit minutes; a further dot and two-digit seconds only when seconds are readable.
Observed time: 10.39.17
